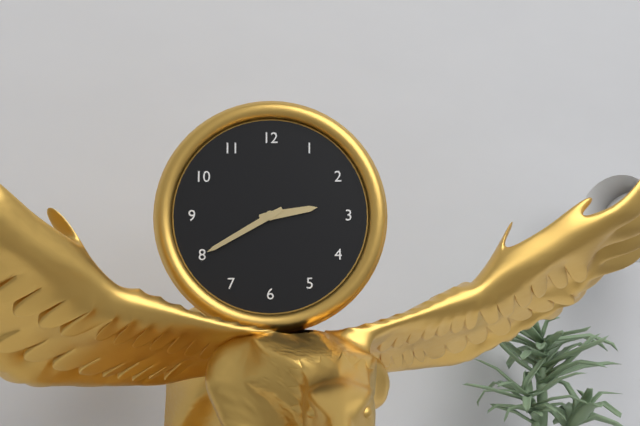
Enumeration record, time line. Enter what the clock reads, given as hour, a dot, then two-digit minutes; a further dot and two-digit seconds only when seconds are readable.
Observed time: 2.40
